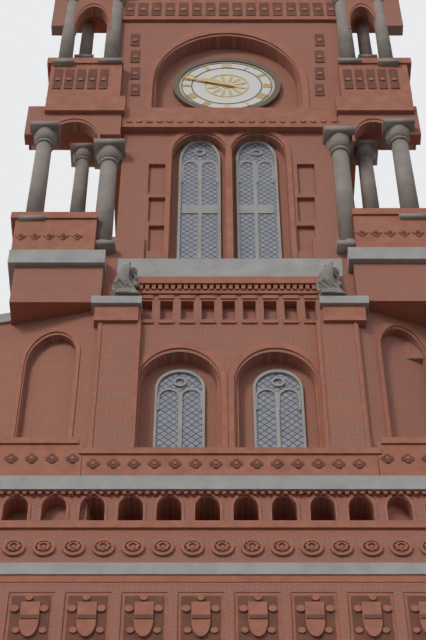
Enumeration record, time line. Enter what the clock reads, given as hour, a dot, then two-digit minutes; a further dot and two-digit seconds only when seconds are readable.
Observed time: 9.48
